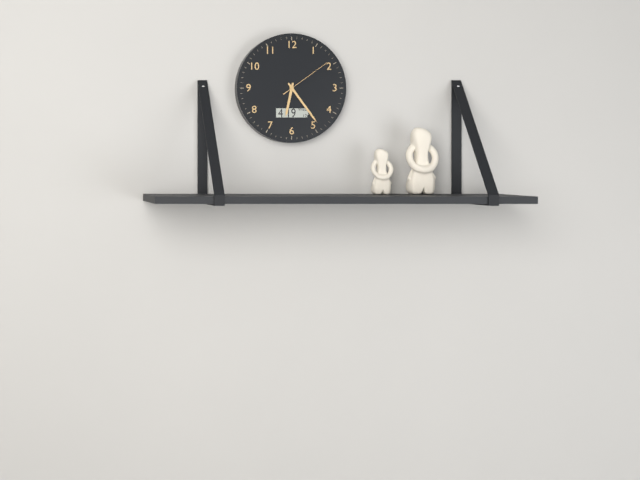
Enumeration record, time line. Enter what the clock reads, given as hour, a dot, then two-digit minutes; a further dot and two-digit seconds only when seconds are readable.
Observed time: 6.24.09
